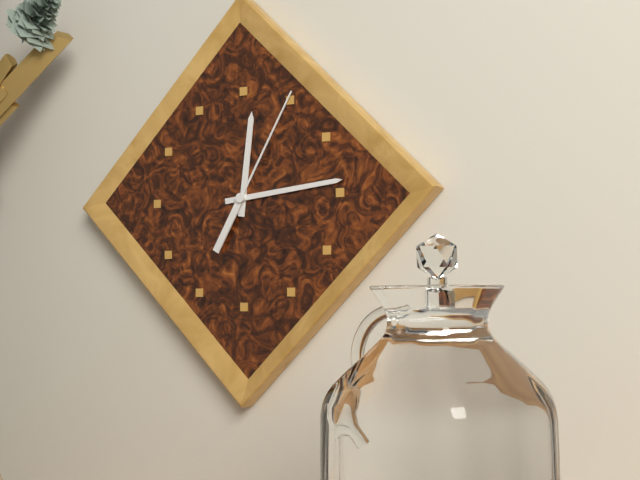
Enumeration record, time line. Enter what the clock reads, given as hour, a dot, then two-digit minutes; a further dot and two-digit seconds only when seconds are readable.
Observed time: 12.14.05
